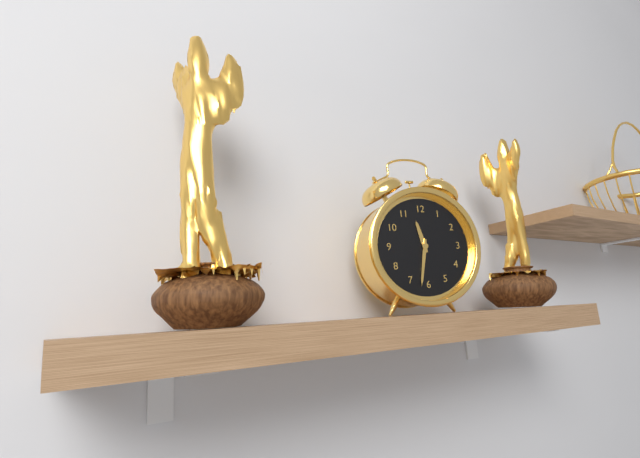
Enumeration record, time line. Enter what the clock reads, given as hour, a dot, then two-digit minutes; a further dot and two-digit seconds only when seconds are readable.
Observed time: 11.32
